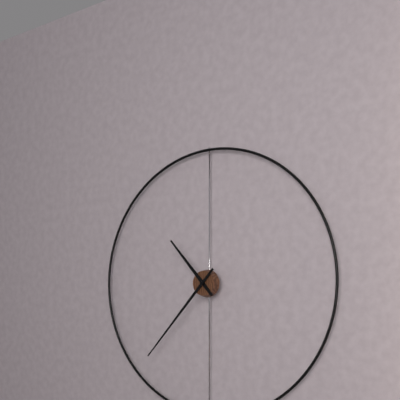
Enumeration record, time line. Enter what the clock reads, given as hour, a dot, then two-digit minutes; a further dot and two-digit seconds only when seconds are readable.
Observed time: 10.37
